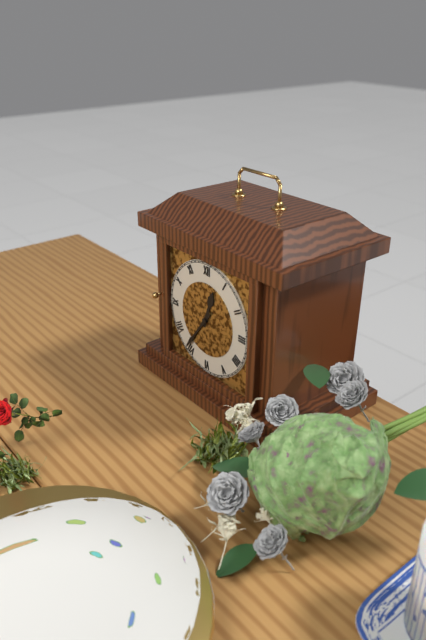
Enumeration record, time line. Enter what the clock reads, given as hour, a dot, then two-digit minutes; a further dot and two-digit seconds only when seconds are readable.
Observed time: 12.36
